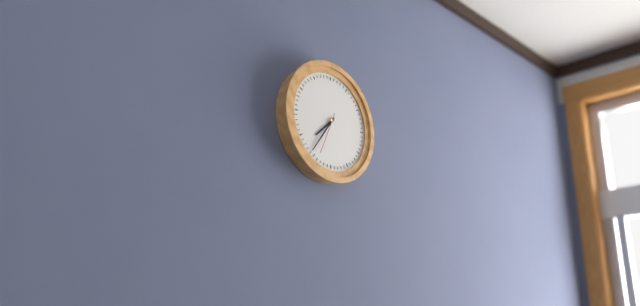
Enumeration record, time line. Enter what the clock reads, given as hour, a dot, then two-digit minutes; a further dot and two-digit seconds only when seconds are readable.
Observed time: 7.36
